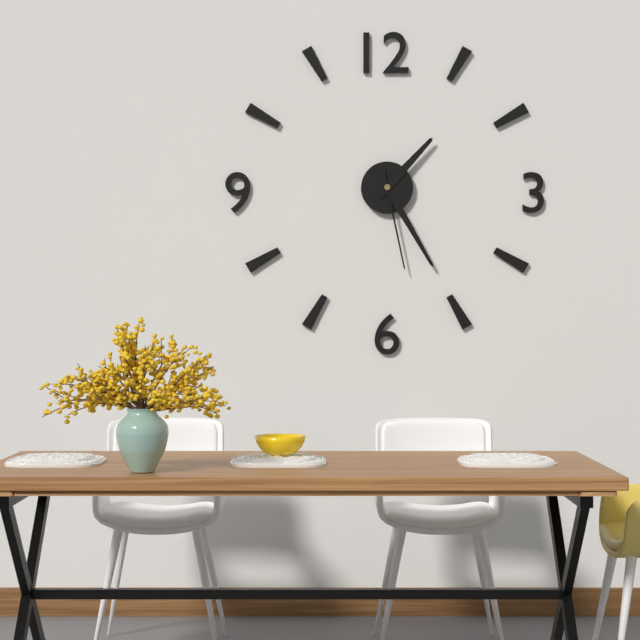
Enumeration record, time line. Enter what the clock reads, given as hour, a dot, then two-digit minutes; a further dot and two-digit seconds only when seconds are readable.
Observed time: 1.25.28
